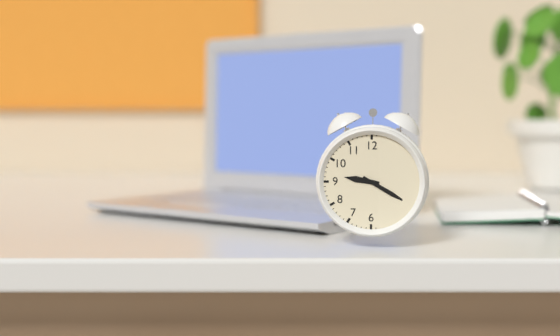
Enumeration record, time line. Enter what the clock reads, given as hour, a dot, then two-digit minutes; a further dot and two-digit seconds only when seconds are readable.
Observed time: 9.20
